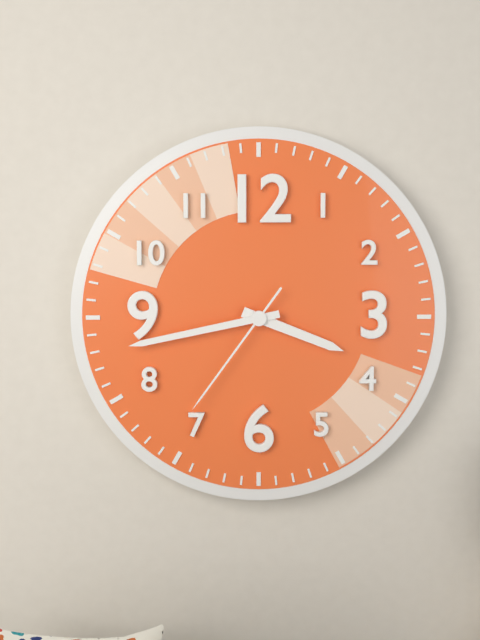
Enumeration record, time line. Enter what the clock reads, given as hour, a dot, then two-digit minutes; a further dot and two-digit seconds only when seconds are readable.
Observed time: 3.43.36
